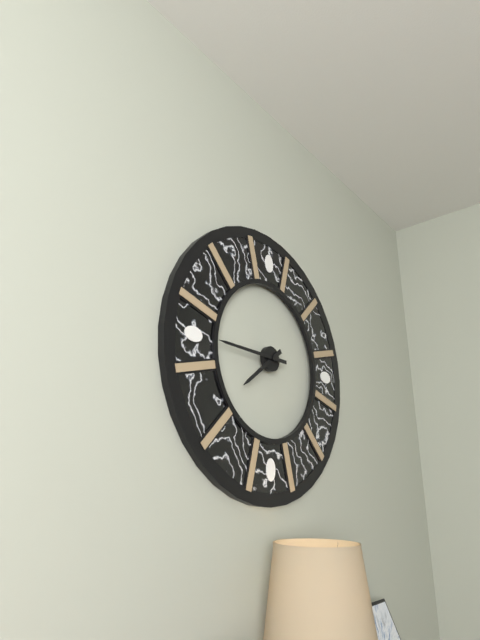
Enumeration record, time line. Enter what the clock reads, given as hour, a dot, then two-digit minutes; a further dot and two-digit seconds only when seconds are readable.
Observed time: 7.45
